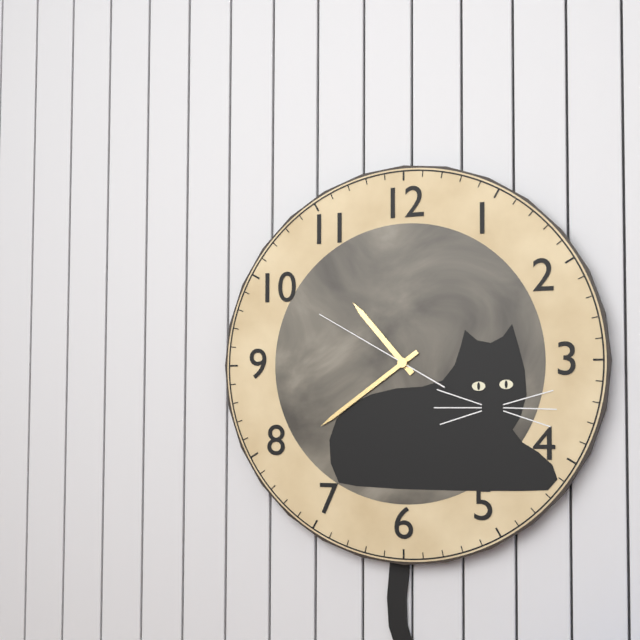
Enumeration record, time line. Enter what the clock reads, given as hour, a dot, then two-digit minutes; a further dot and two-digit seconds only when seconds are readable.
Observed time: 10.39.50
